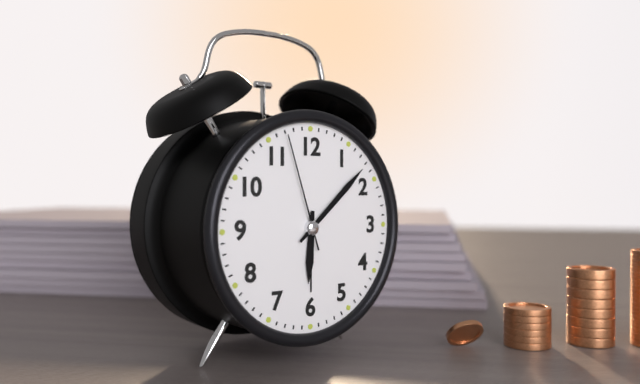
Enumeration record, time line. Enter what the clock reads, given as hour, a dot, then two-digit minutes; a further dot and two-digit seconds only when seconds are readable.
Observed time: 6.08.57
